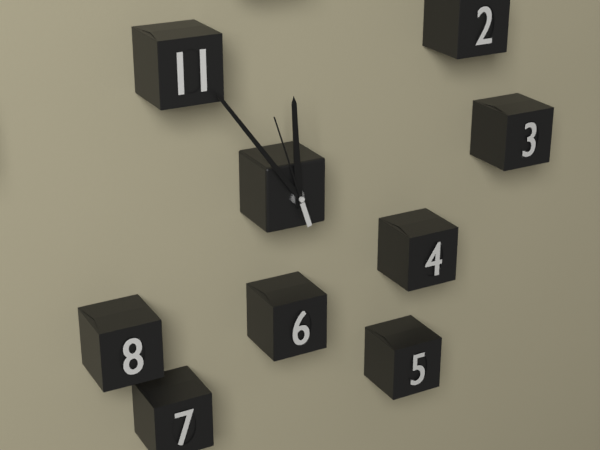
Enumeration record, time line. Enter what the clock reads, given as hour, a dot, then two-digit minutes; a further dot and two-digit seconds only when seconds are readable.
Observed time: 11.54.57
